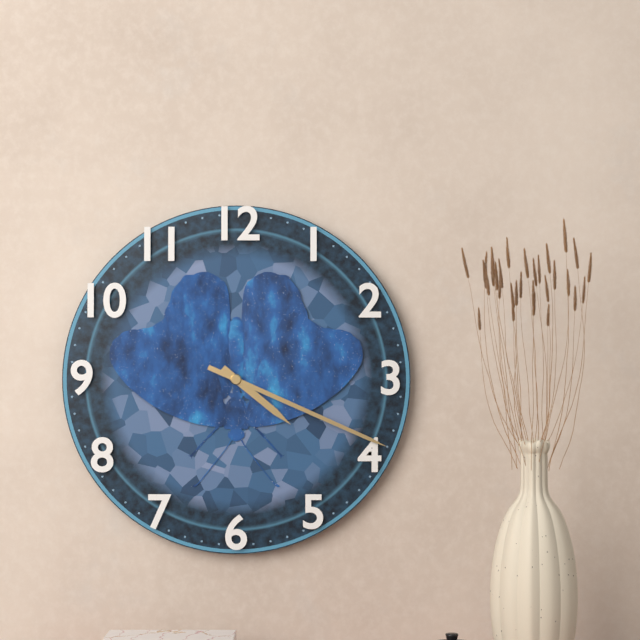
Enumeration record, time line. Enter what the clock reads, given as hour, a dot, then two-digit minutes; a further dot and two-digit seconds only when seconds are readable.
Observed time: 4.19
